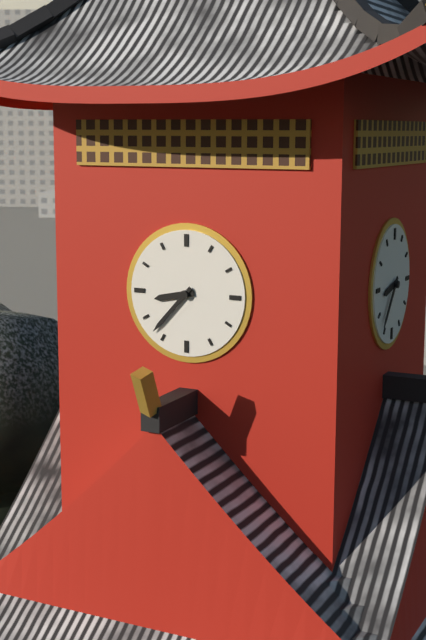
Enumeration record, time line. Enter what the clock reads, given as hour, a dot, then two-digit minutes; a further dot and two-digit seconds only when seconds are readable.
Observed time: 8.37
